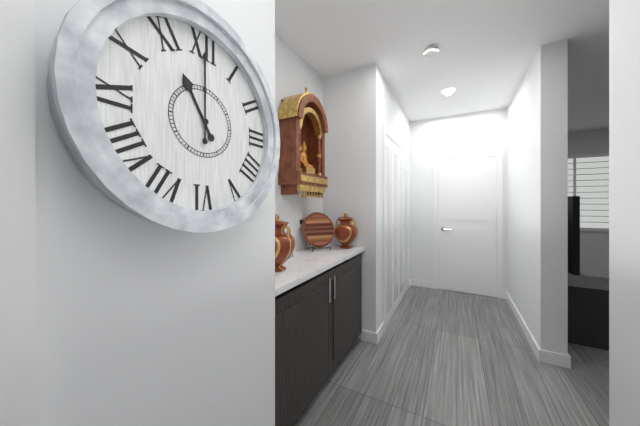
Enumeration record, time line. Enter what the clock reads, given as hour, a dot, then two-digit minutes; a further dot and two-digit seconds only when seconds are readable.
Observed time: 11.00
